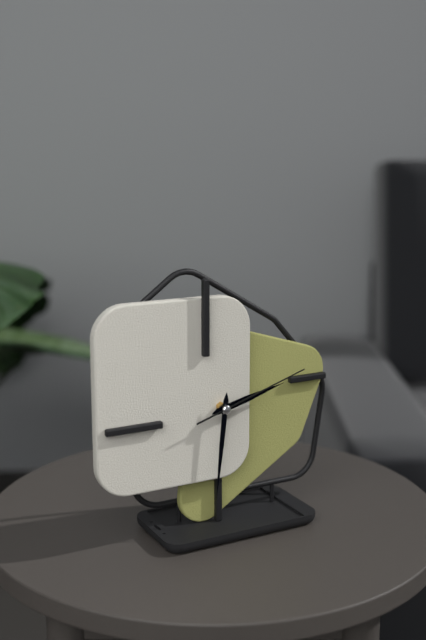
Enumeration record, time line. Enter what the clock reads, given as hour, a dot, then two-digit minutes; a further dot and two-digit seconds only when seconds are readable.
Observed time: 2.31.12
